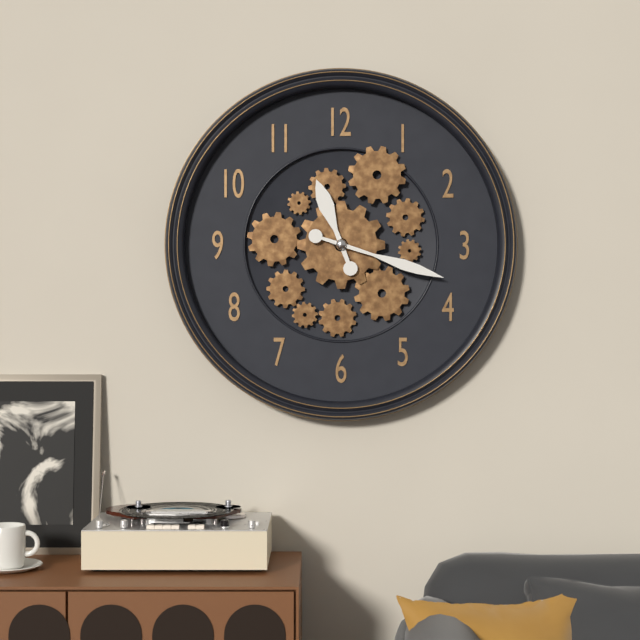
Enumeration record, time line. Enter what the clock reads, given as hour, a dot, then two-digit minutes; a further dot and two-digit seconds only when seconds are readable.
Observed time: 11.18
